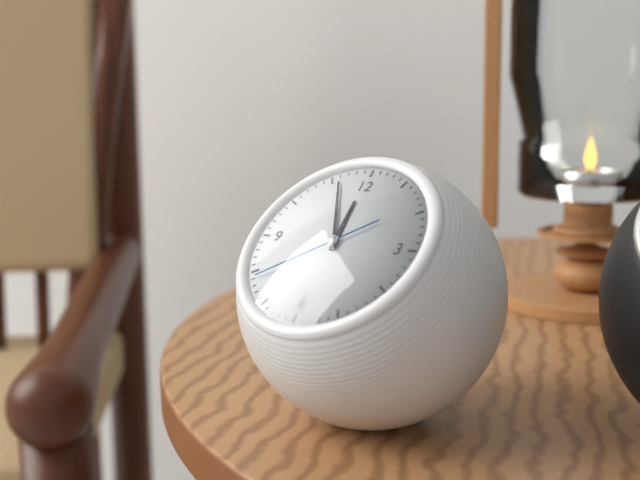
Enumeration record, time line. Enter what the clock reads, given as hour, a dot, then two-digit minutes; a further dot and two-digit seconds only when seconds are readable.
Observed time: 11.56.39
